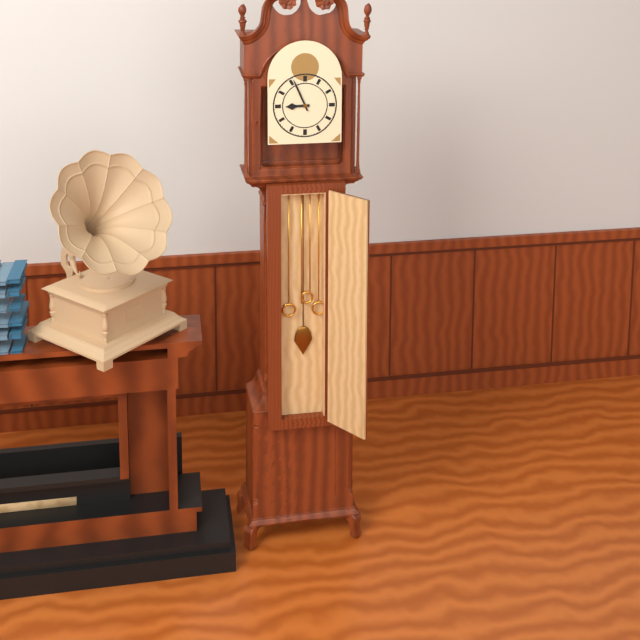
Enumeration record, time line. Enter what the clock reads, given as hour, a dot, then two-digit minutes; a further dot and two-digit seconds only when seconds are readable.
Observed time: 8.56
